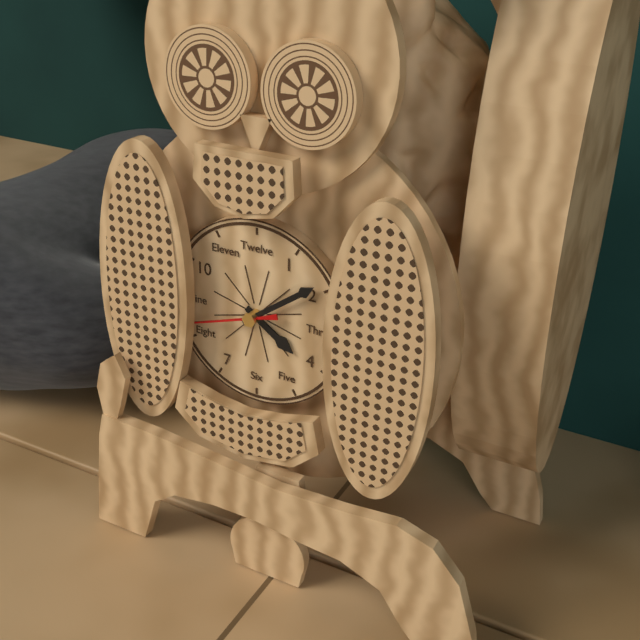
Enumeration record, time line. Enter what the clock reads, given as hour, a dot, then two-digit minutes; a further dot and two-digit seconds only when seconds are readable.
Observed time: 4.09.42
